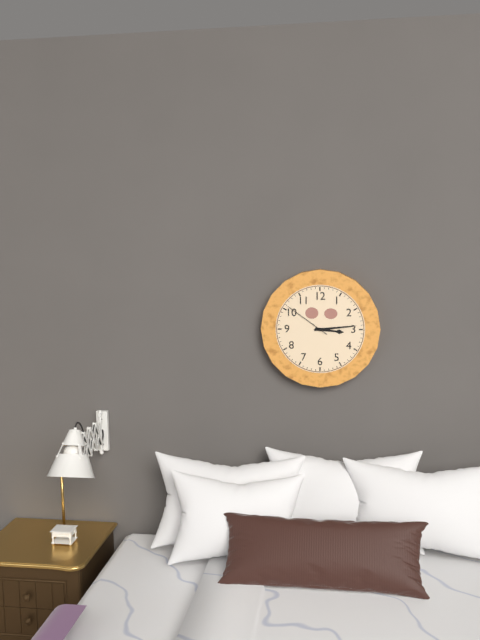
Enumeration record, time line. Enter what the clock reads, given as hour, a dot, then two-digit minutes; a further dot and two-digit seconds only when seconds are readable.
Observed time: 3.14
